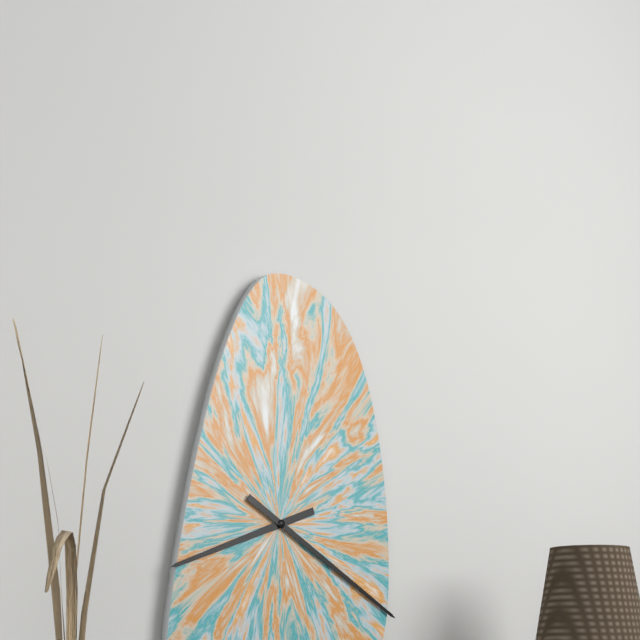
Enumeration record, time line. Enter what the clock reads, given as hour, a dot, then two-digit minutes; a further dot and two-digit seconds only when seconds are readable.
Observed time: 8.20
